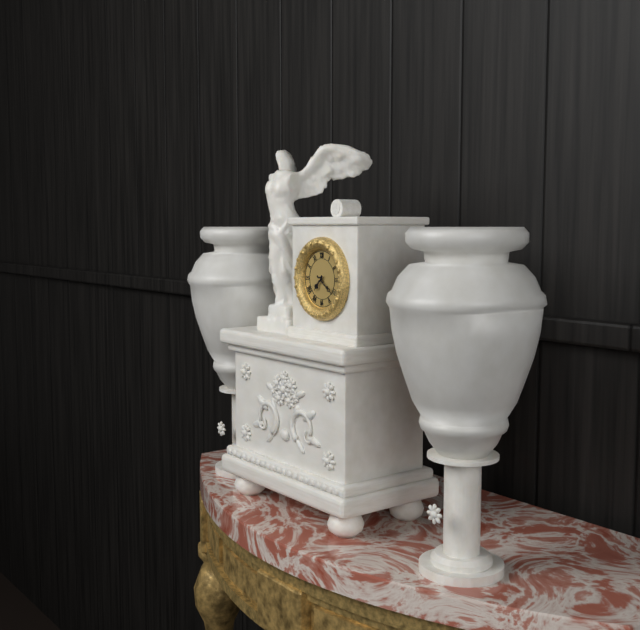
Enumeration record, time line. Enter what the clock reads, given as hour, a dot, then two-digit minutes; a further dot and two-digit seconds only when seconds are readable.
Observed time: 7.21
